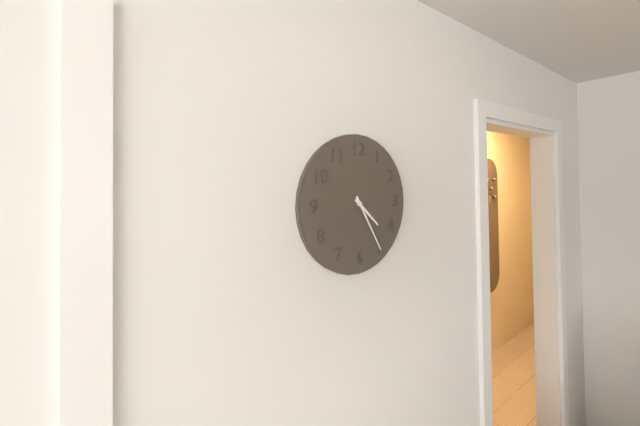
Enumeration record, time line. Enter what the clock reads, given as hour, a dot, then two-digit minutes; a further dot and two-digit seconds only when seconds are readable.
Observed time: 4.25
